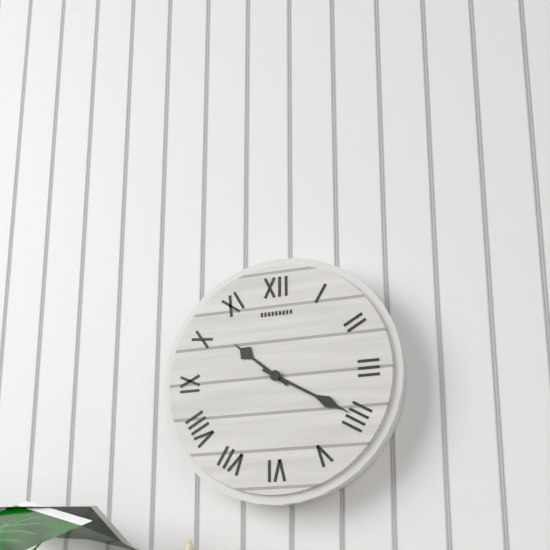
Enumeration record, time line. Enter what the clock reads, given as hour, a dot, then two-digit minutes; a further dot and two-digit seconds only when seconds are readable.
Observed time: 10.20
